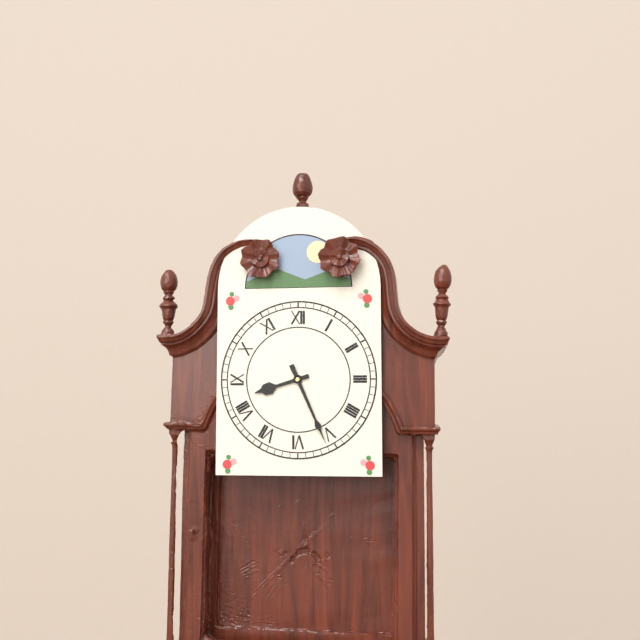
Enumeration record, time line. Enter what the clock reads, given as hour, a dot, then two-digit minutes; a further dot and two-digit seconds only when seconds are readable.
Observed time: 8.26
